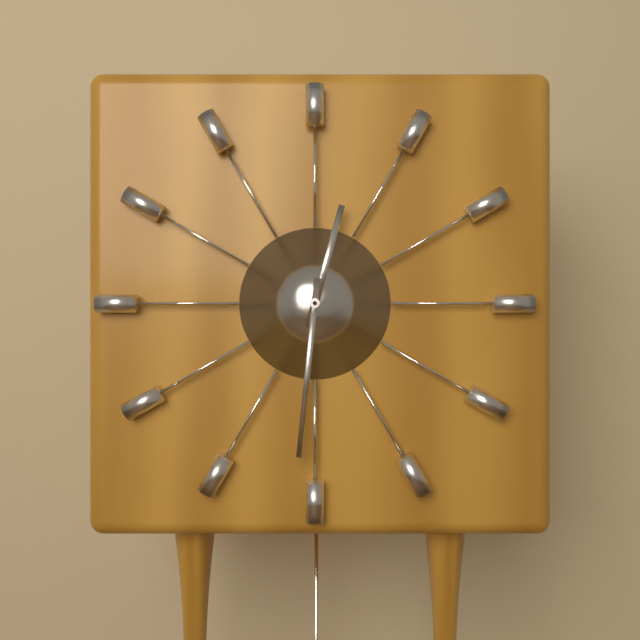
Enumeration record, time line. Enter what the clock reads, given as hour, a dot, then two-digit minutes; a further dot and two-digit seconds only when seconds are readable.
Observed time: 12.31
